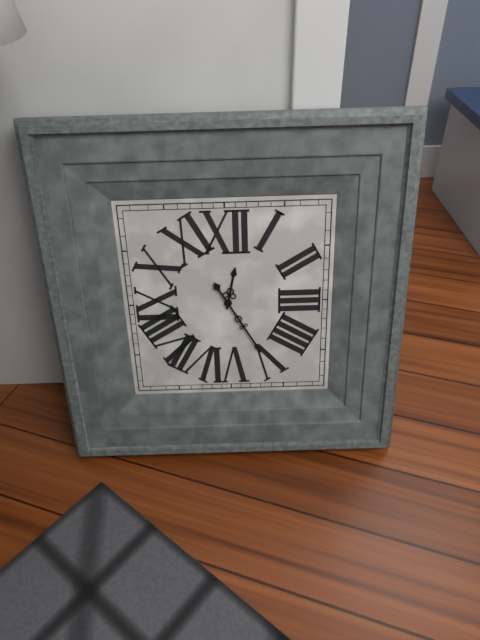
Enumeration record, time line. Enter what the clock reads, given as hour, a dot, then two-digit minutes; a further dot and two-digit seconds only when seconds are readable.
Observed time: 12.25
